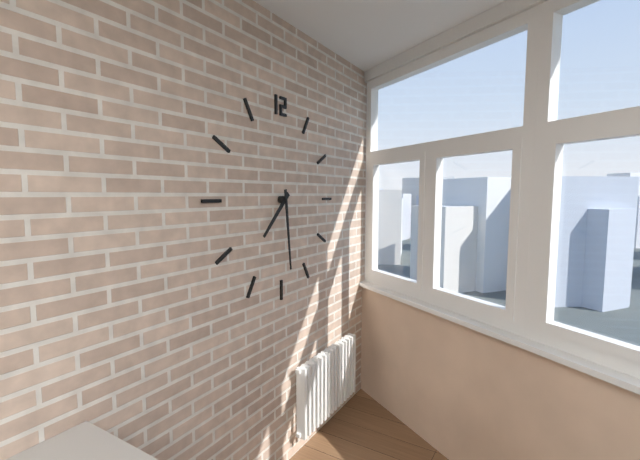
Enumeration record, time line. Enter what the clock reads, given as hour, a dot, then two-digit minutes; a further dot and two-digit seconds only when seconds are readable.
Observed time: 7.29
